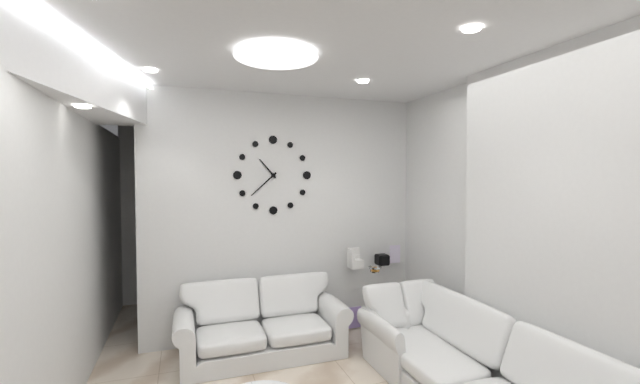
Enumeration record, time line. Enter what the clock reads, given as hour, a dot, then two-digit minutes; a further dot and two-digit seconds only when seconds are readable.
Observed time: 10.38
